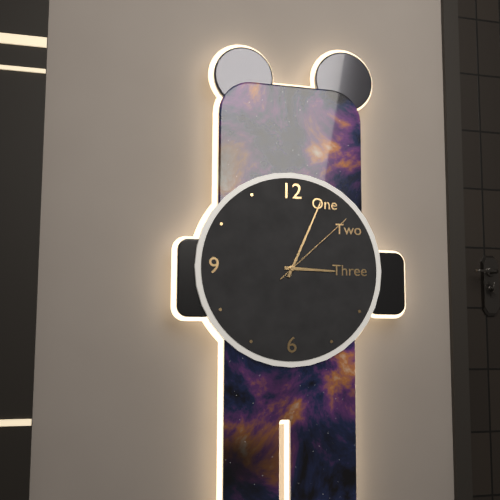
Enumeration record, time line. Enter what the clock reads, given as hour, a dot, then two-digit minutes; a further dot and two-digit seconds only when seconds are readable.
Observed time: 3.04.08
